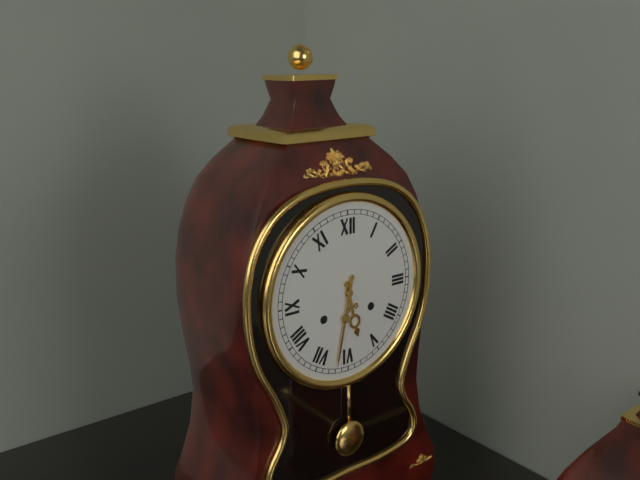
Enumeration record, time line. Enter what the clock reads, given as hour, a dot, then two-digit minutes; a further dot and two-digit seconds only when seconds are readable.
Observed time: 5.32
